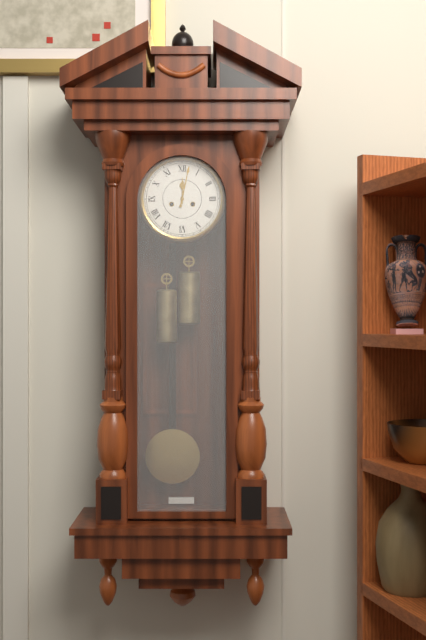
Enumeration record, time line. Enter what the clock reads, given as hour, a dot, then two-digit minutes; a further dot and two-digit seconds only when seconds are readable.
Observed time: 12.02
